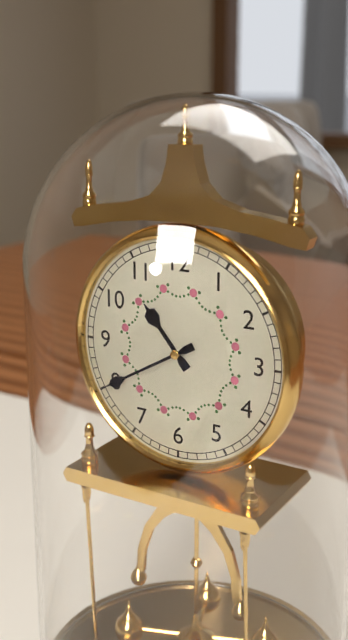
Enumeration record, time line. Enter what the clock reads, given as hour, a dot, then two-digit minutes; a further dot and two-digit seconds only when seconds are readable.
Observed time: 10.40
